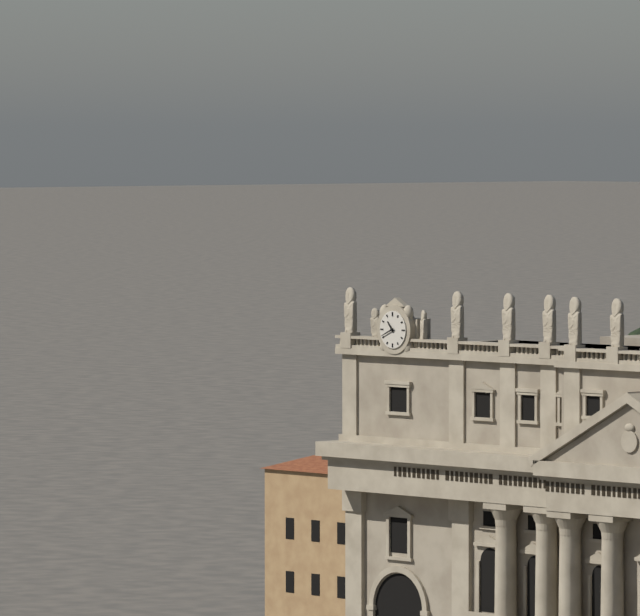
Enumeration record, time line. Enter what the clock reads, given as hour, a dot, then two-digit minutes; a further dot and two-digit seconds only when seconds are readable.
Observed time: 10.41
